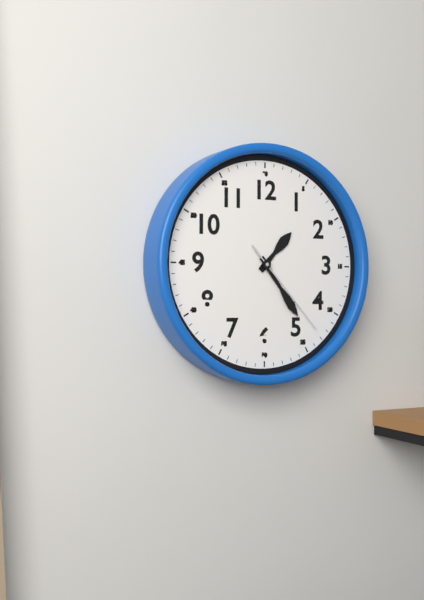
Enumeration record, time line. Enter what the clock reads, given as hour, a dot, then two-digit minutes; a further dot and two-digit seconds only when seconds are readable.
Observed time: 1.24.23
